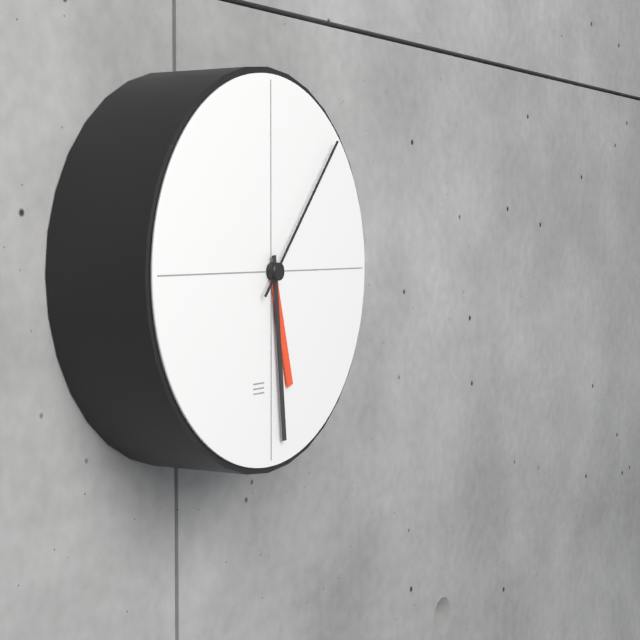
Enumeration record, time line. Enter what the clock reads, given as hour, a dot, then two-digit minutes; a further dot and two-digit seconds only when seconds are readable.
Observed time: 5.29.07
